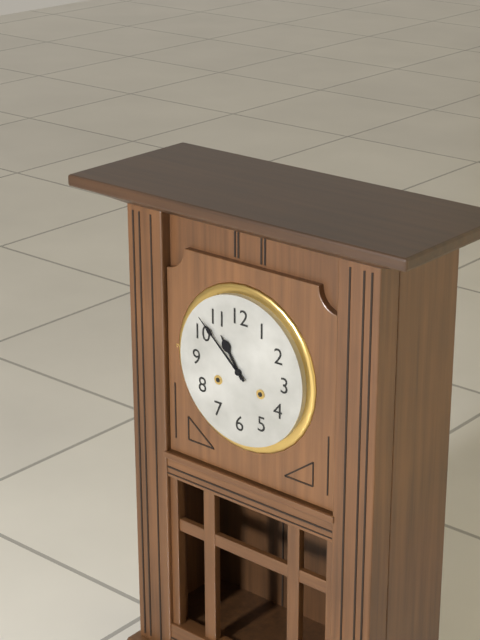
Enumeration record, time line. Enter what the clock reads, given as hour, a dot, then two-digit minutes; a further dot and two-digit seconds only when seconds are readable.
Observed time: 10.52
